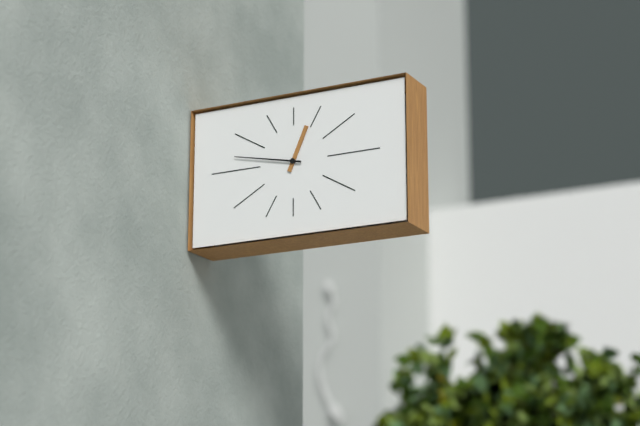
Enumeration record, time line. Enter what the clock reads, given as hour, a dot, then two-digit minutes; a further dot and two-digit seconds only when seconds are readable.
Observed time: 12.47
